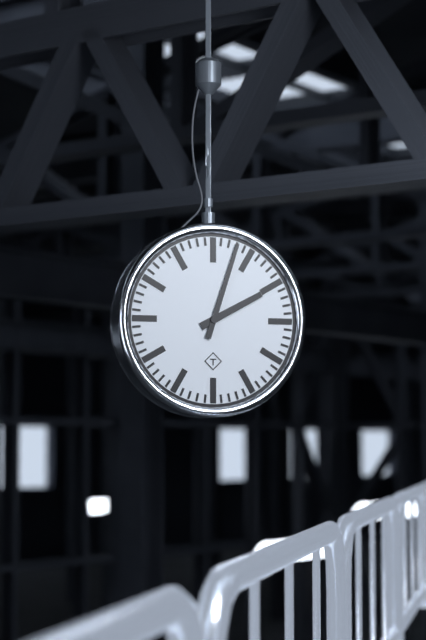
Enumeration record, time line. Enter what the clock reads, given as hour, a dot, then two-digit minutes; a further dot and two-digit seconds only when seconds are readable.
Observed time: 2.03
